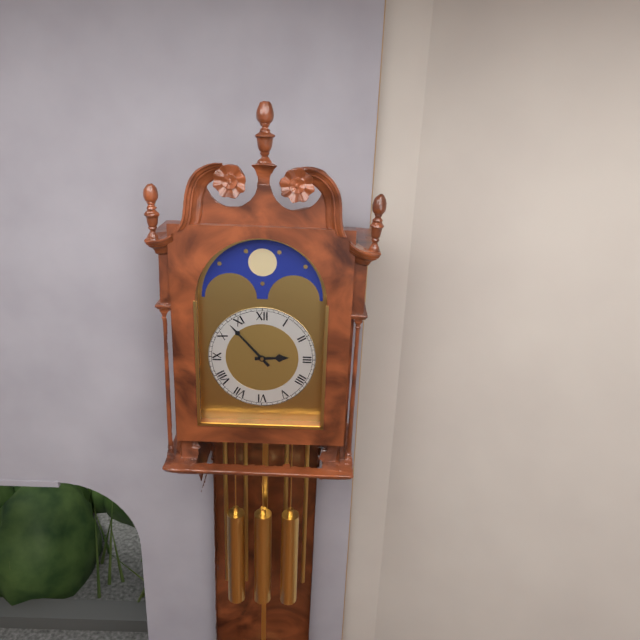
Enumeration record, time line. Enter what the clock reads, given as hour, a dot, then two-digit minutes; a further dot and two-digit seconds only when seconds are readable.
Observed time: 2.53
